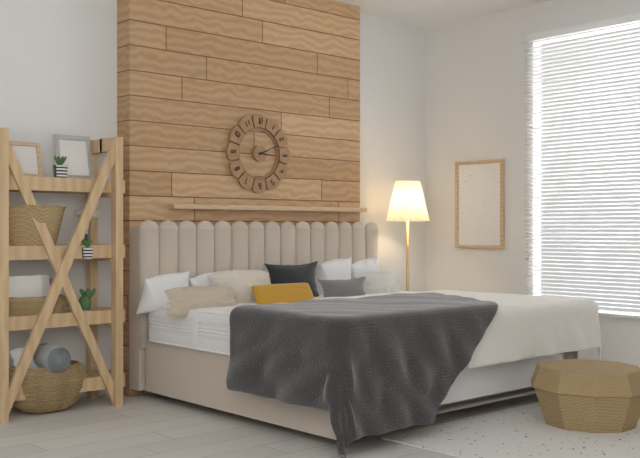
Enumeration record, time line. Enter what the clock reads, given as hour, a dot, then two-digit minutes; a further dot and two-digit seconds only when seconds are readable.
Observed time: 3.11
